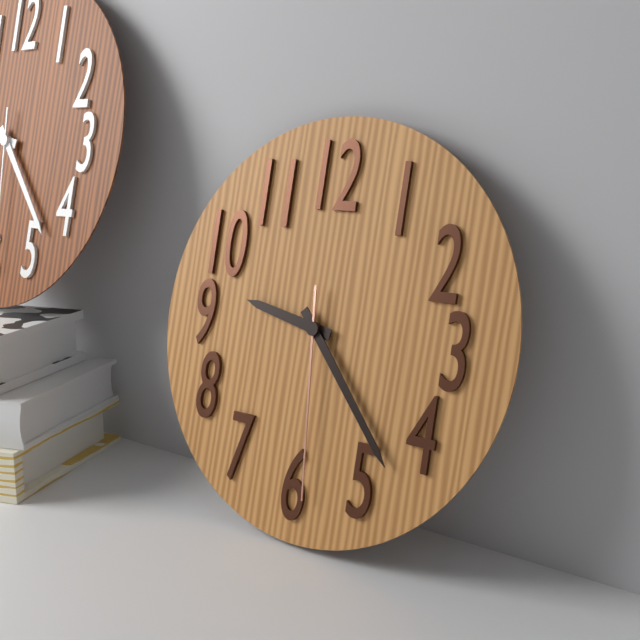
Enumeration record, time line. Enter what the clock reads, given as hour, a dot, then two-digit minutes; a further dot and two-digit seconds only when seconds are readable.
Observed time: 9.23.29
